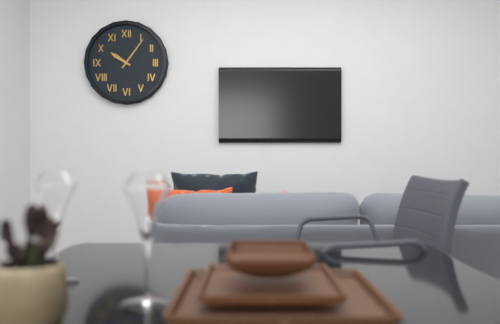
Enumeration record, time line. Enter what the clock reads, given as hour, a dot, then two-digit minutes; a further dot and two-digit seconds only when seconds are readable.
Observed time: 10.06
